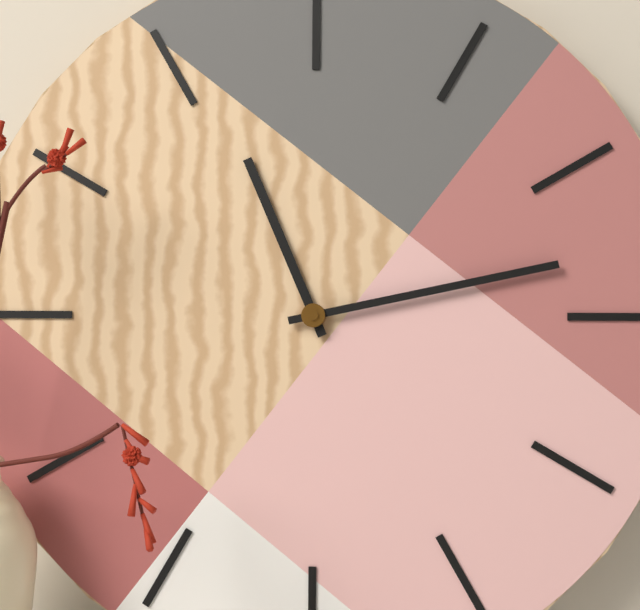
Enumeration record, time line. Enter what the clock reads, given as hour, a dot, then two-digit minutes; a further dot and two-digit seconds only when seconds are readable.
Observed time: 11.13
